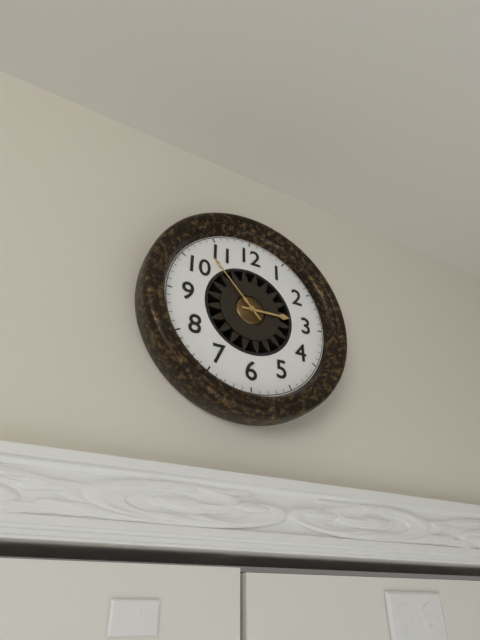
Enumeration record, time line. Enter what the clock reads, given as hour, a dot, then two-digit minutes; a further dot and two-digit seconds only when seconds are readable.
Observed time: 2.53
